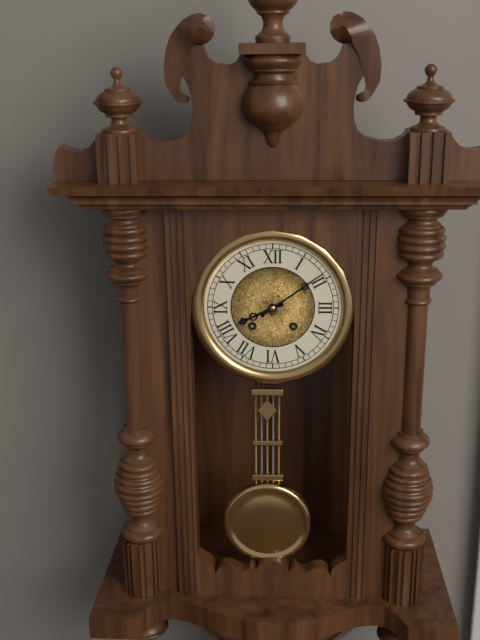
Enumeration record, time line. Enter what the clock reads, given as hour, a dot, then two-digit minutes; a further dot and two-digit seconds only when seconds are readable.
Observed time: 8.09
